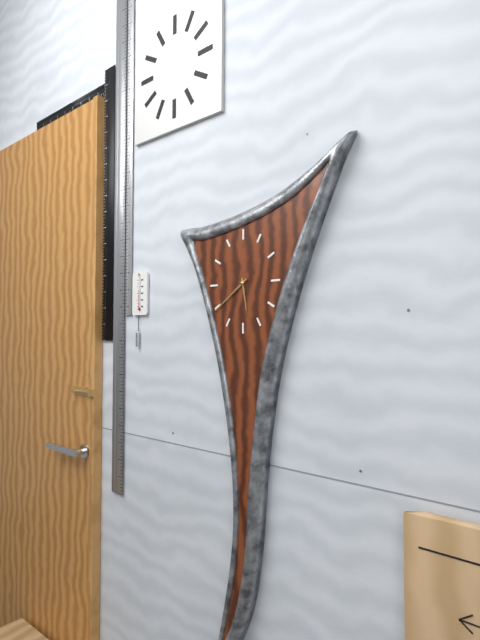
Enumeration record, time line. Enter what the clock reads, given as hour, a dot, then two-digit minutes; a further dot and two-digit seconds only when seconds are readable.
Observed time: 5.39
